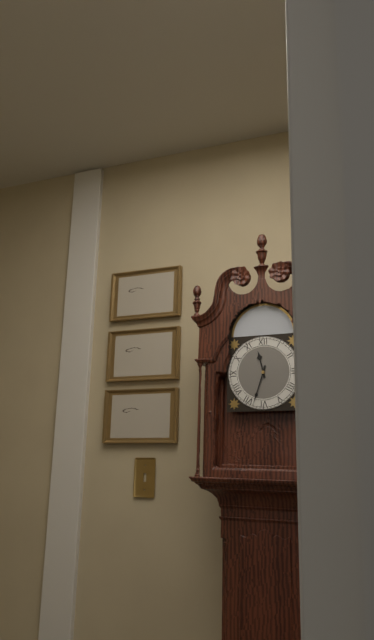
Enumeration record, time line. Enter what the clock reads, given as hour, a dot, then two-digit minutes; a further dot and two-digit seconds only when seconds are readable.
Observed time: 11.33
